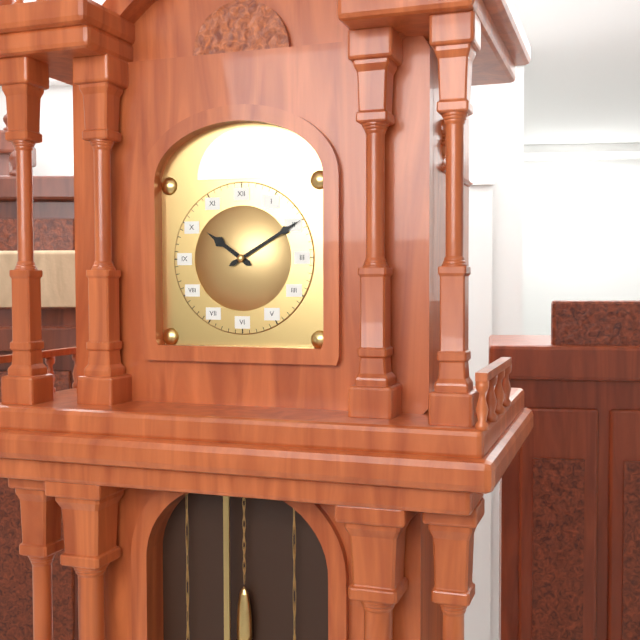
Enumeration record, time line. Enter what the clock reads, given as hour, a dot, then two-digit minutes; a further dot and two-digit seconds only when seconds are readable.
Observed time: 10.10
